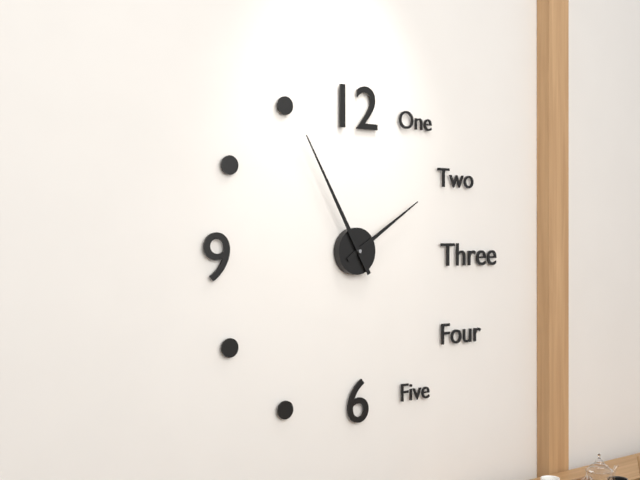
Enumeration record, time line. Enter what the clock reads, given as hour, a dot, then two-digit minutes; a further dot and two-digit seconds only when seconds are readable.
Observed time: 1.55
